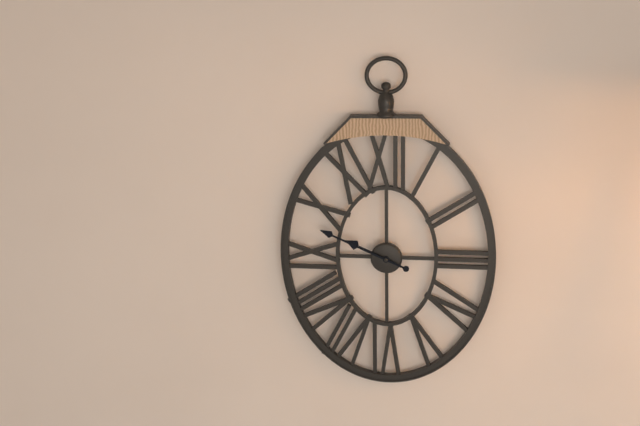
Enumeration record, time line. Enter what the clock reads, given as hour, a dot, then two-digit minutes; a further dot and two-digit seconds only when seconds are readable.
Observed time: 9.49
